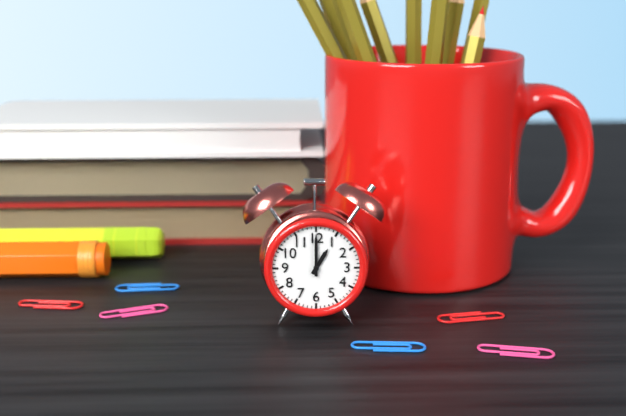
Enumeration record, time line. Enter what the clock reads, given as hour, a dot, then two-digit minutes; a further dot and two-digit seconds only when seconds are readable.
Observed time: 1.00
